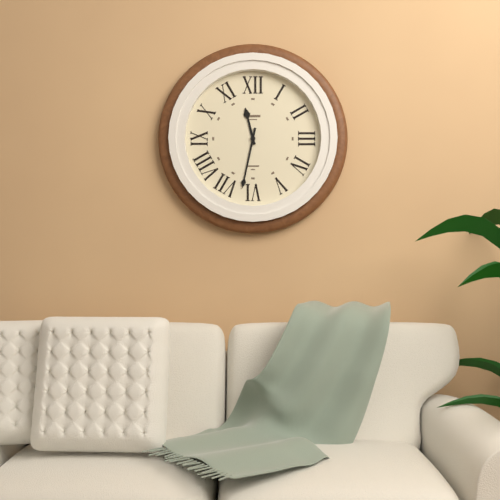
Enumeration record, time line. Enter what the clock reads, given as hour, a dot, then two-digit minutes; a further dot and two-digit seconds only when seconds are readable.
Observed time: 11.32
